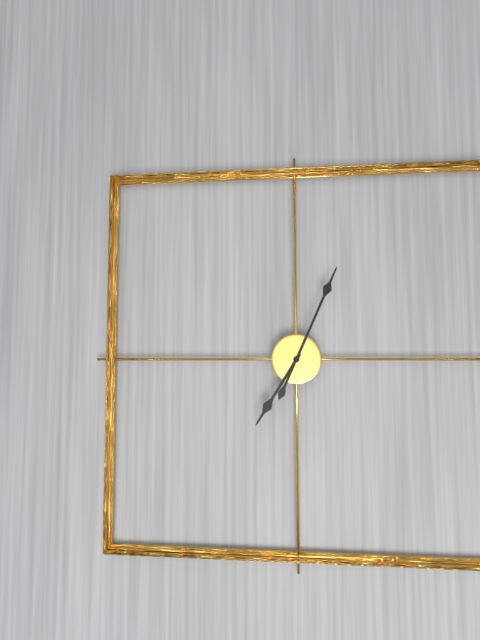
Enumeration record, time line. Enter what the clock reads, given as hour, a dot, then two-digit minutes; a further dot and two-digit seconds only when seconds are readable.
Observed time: 7.04
